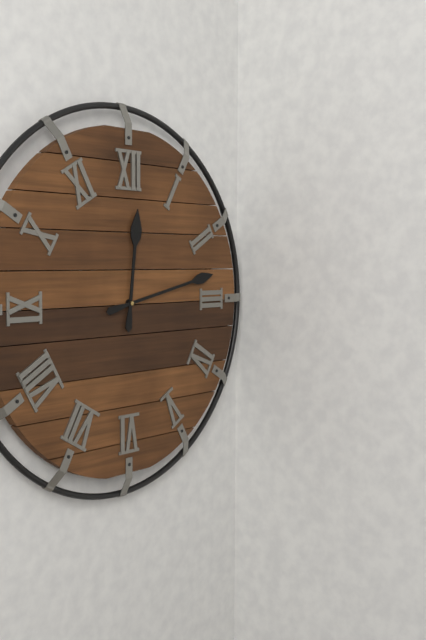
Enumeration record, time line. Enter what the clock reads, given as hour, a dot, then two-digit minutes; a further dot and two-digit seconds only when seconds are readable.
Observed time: 12.13
